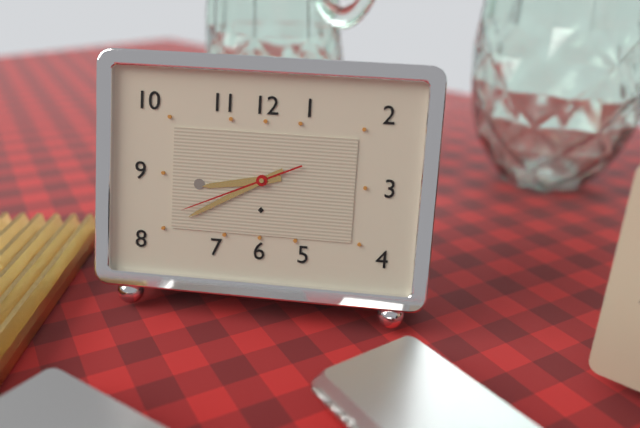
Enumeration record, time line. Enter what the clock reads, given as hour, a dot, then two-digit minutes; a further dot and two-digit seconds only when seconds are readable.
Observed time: 8.40.41
